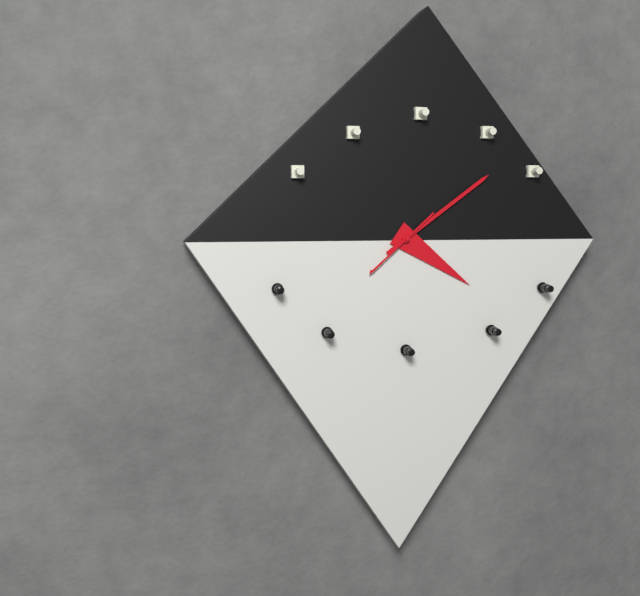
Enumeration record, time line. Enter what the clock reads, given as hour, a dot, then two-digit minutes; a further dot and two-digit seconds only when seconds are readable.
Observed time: 4.09.38
